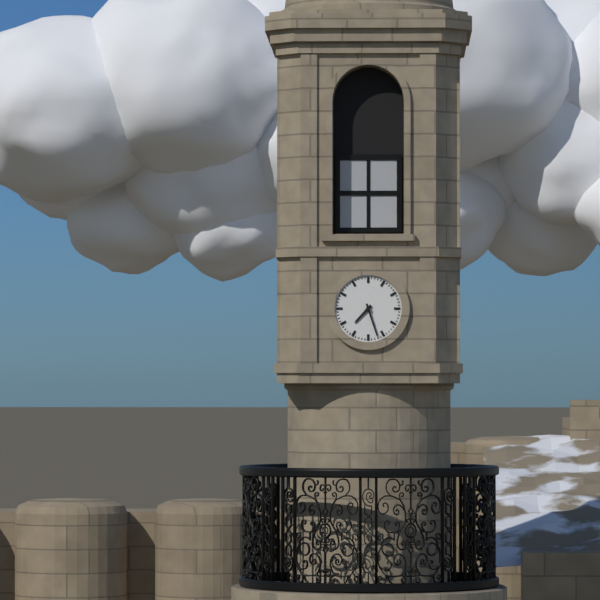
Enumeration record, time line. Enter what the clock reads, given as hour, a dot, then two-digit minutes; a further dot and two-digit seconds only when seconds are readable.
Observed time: 7.27
